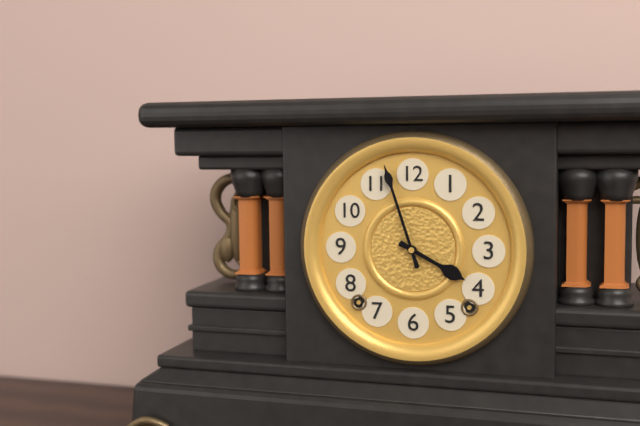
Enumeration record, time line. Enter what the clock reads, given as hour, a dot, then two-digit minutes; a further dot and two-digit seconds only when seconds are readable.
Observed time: 3.57
